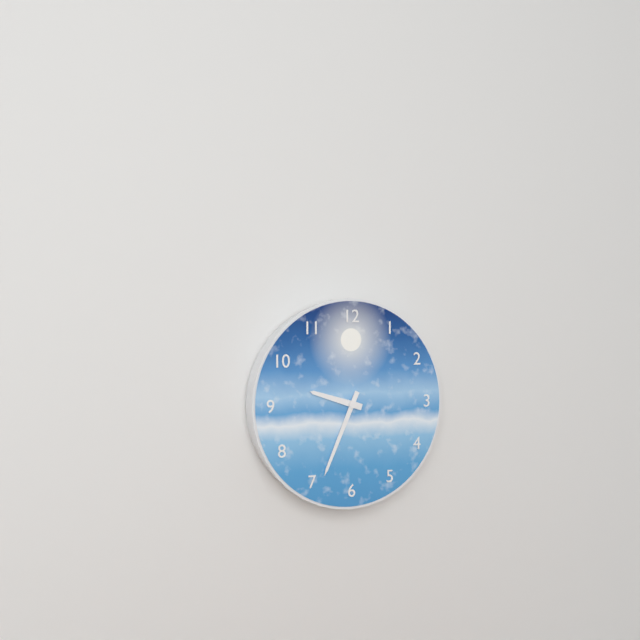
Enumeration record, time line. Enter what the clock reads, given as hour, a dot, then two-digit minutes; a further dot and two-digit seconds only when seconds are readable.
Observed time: 9.34
